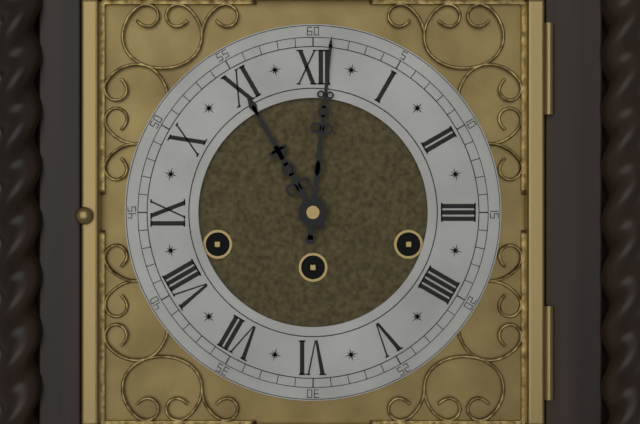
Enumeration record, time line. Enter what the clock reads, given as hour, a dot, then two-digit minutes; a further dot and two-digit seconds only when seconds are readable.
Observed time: 11.01
